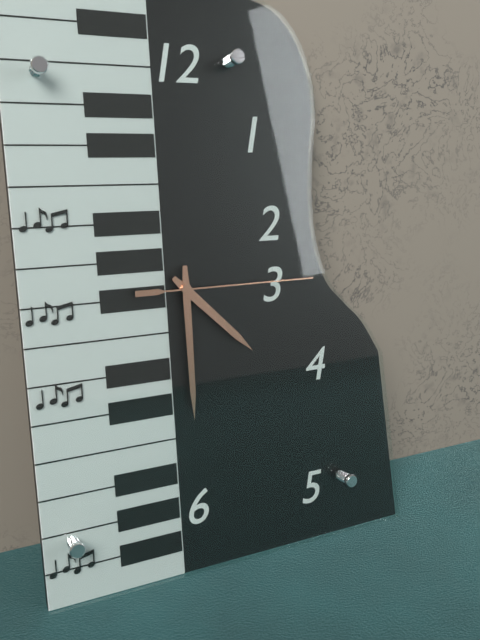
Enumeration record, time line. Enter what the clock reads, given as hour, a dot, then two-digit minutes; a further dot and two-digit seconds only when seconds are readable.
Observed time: 4.30.15
